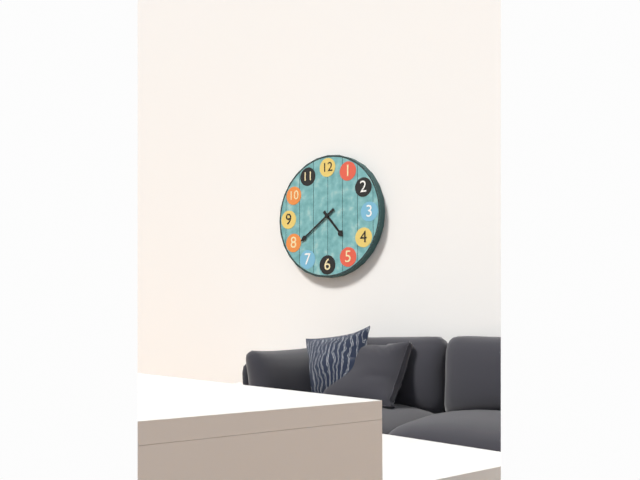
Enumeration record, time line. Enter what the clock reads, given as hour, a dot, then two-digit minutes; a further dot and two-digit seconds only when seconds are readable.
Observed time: 4.39
